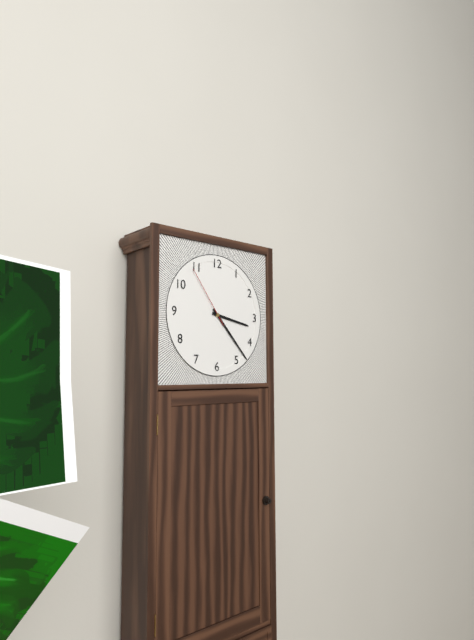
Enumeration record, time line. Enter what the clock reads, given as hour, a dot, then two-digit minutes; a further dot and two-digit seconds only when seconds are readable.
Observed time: 3.23.54
